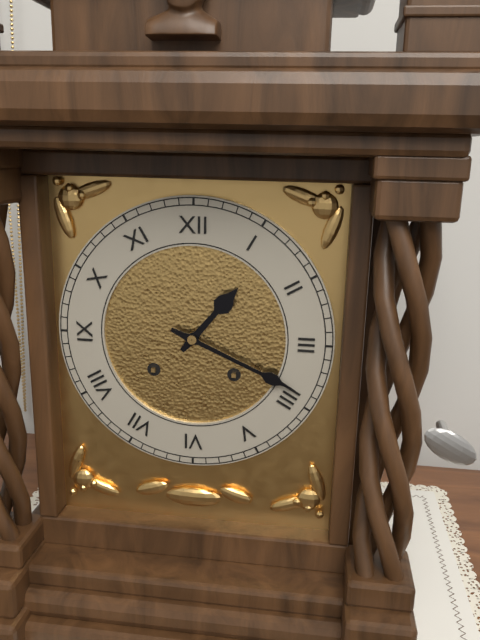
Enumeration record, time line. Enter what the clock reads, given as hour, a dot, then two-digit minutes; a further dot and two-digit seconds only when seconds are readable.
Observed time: 1.19
